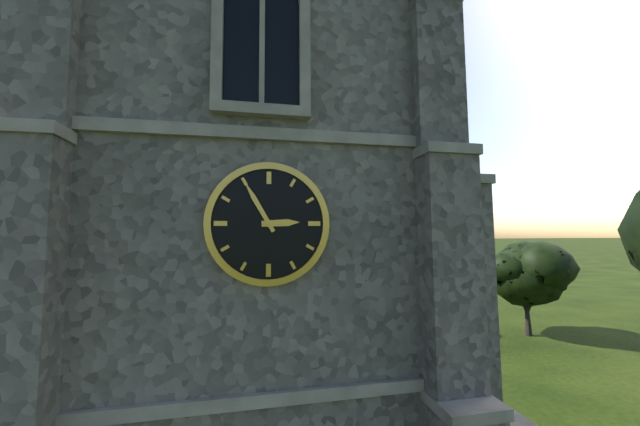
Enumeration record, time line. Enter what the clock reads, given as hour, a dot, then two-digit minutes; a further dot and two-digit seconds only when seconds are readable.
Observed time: 2.55
